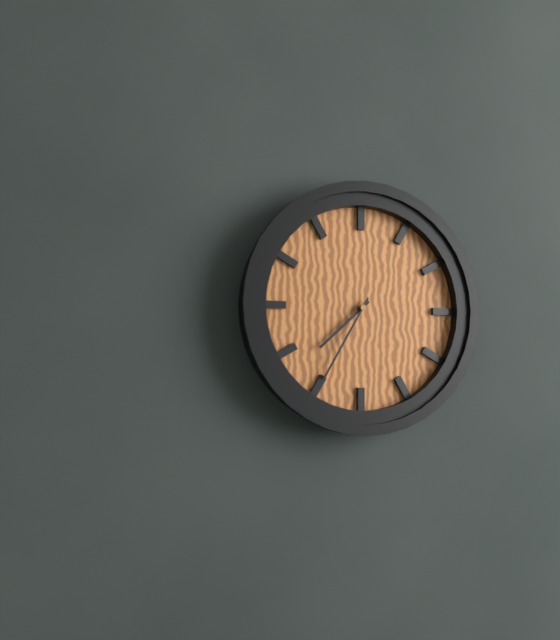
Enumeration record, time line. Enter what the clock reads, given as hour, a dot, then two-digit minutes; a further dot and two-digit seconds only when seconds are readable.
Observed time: 7.35
